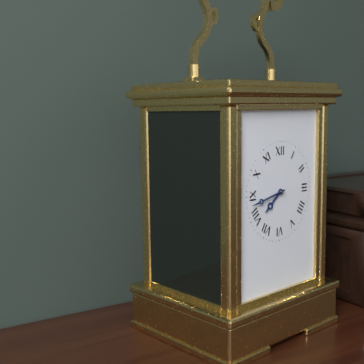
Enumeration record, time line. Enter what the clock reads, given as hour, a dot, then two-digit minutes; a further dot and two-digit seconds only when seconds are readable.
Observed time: 7.43
